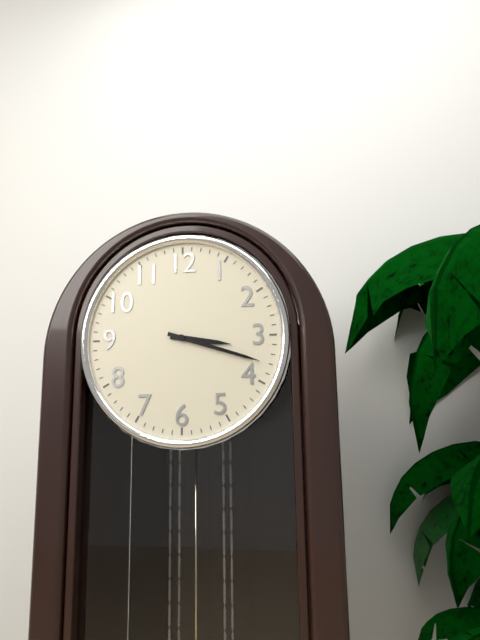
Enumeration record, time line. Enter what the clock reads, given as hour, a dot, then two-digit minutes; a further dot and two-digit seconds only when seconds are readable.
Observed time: 3.18
